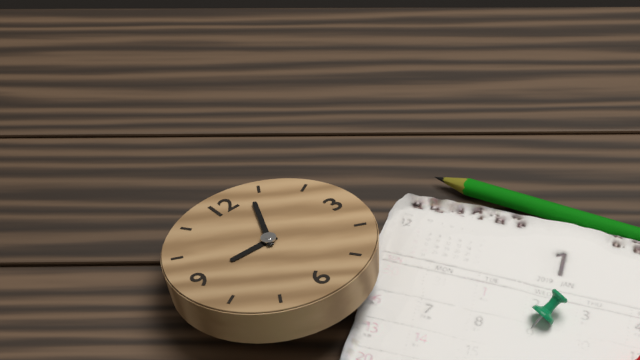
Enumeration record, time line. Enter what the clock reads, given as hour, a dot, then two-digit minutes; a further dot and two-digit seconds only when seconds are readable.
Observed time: 9.04
